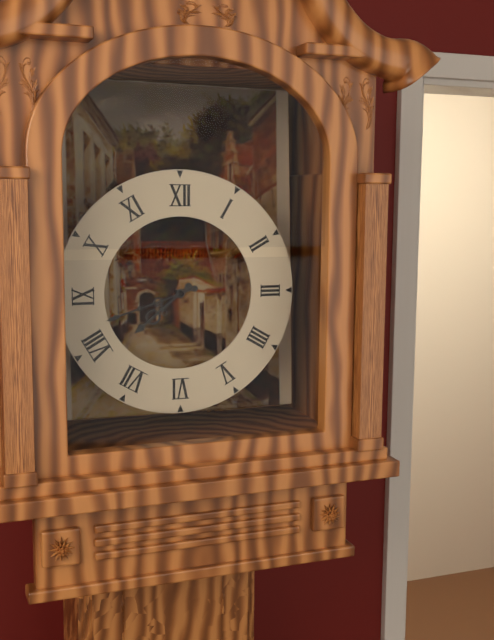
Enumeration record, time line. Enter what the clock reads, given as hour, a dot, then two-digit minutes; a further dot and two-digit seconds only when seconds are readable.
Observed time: 7.42
